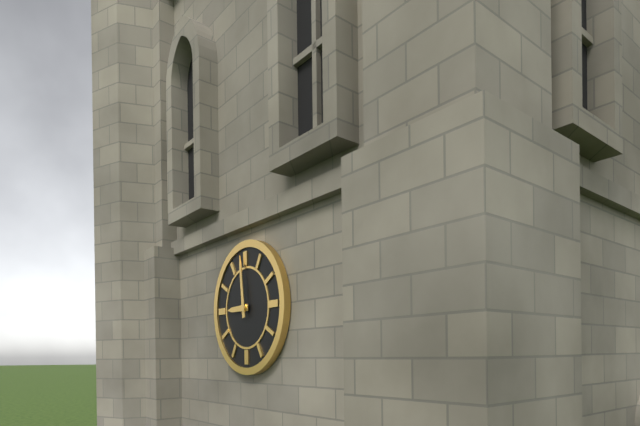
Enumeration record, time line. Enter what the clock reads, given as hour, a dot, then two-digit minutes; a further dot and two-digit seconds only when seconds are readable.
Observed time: 8.59
